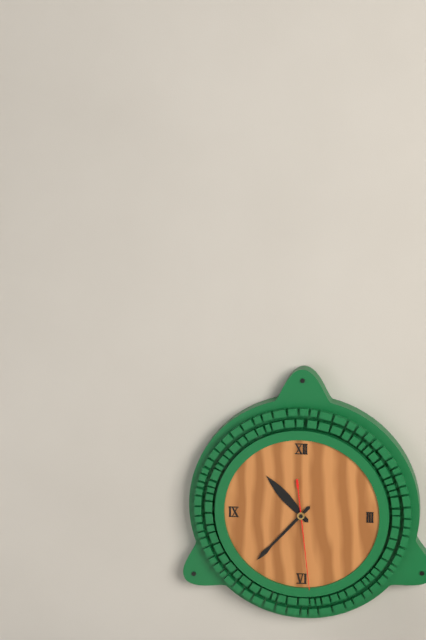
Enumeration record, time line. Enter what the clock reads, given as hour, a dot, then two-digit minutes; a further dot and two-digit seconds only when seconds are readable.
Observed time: 10.37.29
